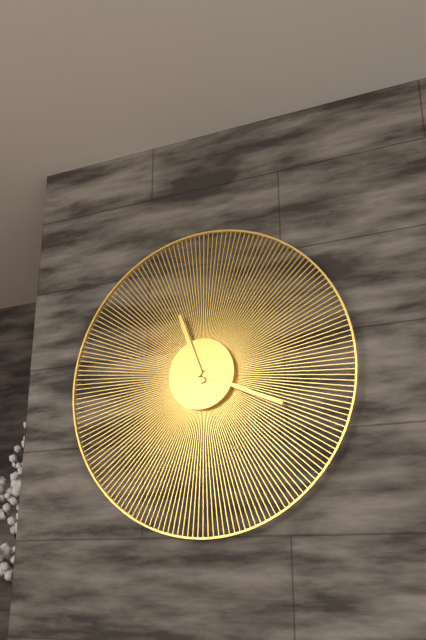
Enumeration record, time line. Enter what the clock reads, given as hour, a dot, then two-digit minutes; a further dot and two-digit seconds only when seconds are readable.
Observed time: 11.19
